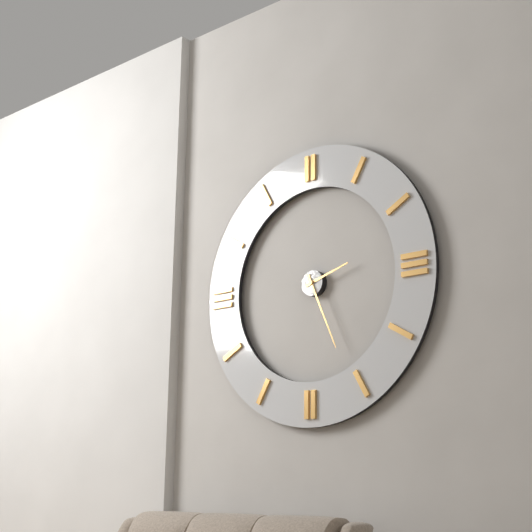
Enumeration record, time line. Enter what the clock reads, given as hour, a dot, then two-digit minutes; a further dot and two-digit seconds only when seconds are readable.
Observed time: 2.26
